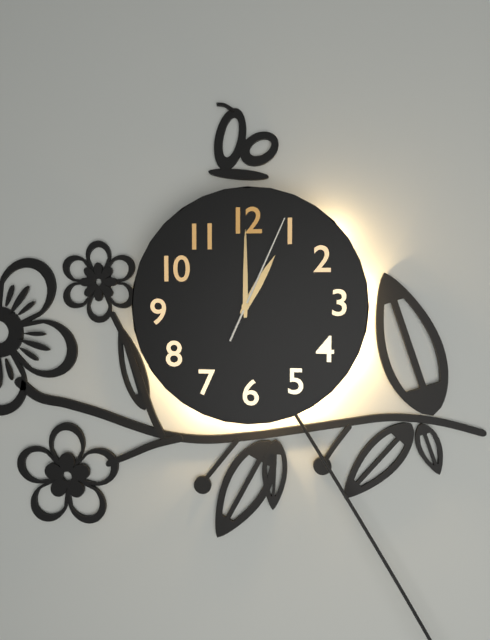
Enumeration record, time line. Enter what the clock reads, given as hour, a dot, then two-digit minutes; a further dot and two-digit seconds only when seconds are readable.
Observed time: 1.00.04
